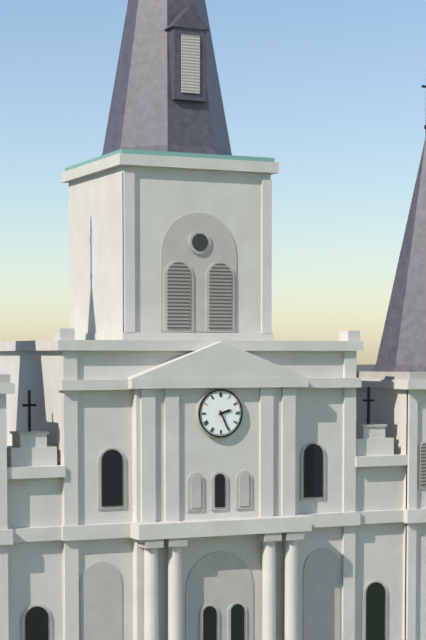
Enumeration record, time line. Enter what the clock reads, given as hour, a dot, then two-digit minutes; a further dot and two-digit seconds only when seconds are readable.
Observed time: 2.26
